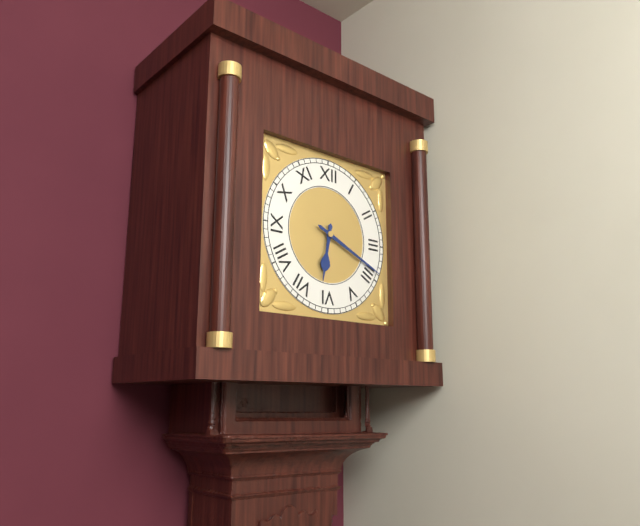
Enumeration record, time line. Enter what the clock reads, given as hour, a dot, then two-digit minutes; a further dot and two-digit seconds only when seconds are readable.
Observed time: 6.19
